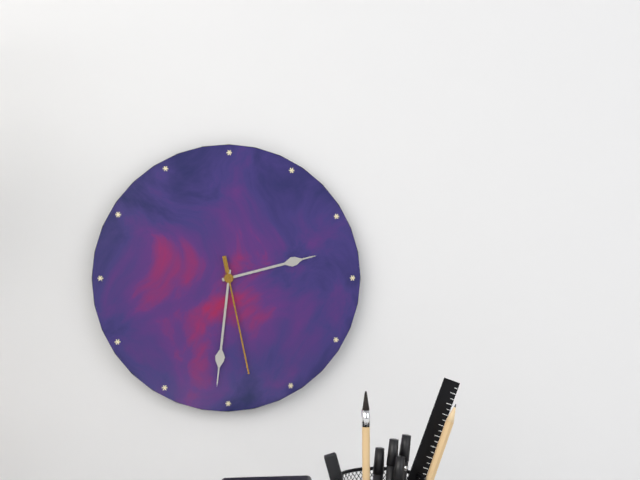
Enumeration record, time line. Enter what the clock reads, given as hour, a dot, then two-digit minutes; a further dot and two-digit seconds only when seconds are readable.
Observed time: 2.31.28
